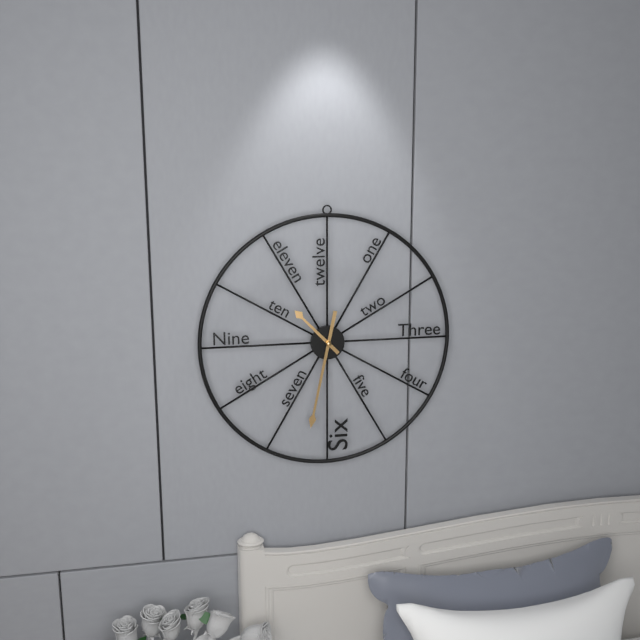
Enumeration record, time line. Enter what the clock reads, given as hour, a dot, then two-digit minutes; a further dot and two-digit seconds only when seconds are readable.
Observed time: 10.32
